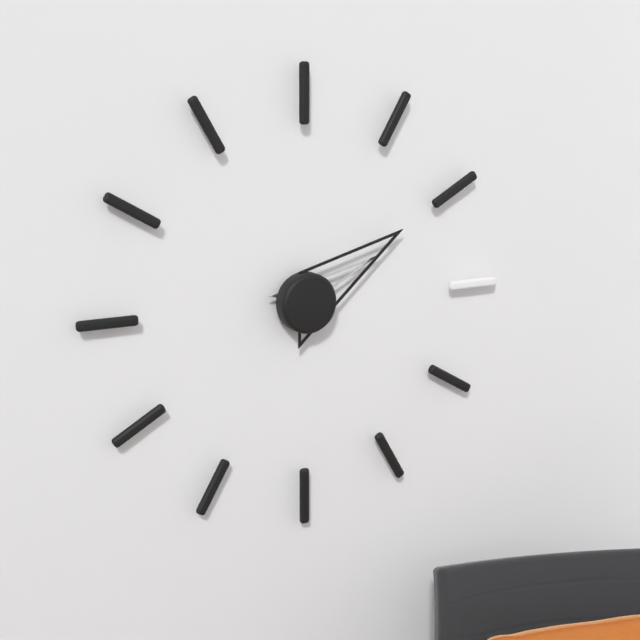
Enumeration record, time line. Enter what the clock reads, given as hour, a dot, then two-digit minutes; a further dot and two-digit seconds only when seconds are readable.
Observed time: 2.10
